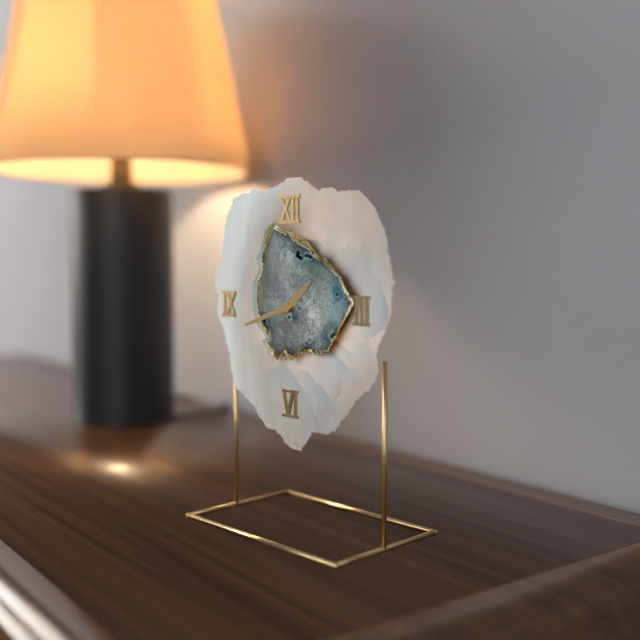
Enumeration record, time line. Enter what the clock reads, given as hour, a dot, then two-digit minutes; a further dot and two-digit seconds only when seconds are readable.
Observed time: 1.42
